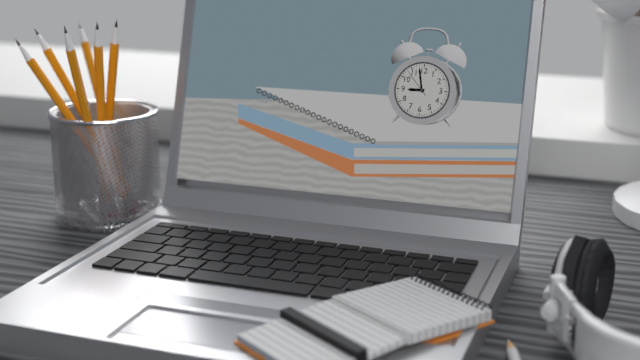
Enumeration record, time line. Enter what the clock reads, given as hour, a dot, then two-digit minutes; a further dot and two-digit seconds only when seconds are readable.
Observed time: 8.58
